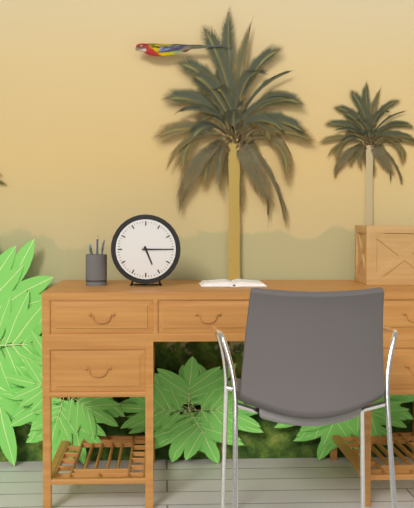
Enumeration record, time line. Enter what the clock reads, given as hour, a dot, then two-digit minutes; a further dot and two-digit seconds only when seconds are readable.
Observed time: 5.15
